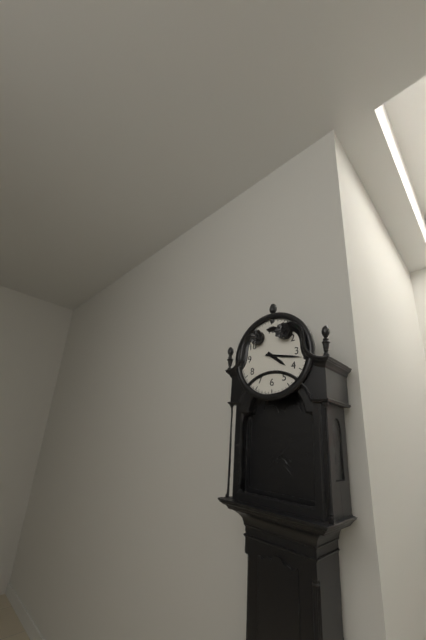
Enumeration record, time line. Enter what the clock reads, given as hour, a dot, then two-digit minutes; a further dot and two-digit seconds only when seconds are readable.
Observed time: 4.17
